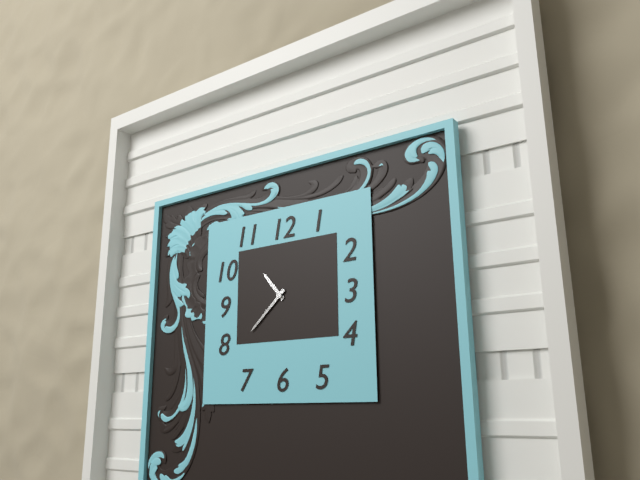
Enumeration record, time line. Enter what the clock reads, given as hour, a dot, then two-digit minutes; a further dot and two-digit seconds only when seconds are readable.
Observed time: 10.38
